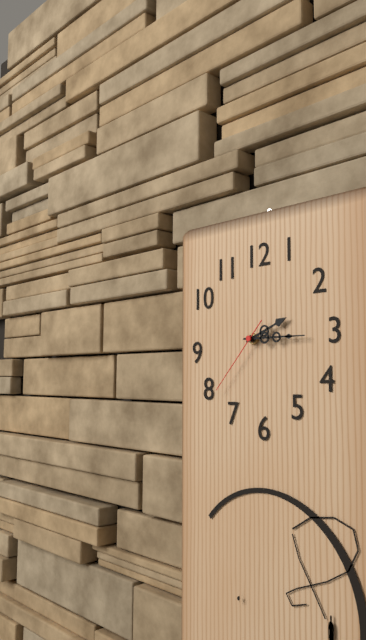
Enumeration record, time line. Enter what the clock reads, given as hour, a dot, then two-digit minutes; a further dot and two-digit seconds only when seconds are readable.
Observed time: 2.15.37
